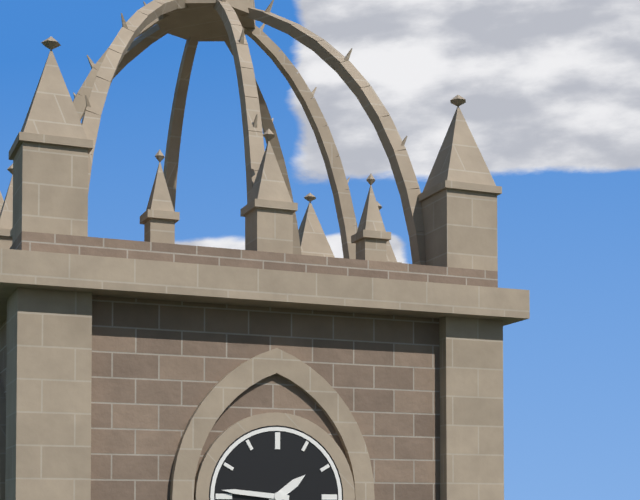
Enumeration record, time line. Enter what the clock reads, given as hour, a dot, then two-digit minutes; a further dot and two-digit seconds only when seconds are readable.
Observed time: 1.46
